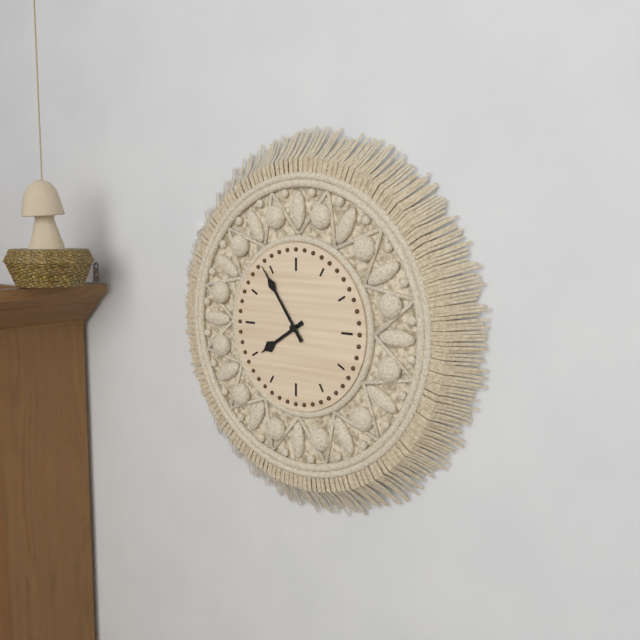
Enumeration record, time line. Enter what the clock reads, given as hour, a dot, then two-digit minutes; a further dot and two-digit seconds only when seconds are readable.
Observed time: 7.54
